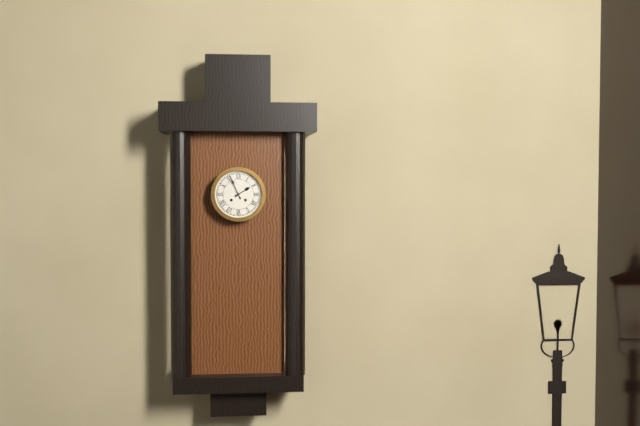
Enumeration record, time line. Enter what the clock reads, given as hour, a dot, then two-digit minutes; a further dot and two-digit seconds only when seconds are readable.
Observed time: 1.56
